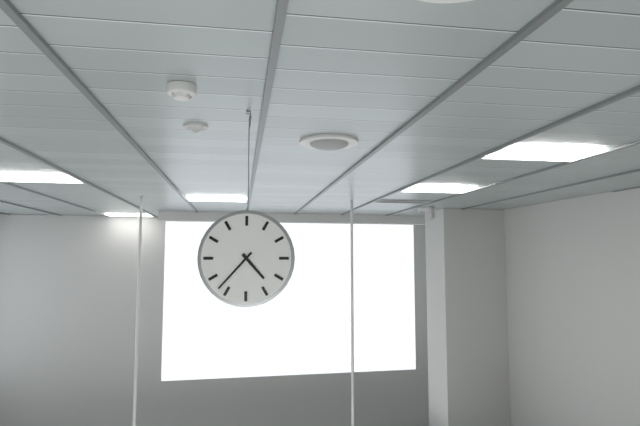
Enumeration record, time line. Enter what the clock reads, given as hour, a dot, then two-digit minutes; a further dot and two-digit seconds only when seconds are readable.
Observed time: 4.37
